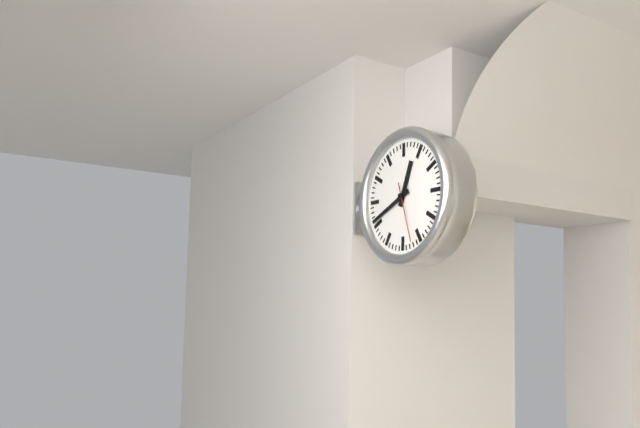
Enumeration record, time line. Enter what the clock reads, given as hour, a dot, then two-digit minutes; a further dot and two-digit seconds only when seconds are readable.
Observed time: 12.41.27
